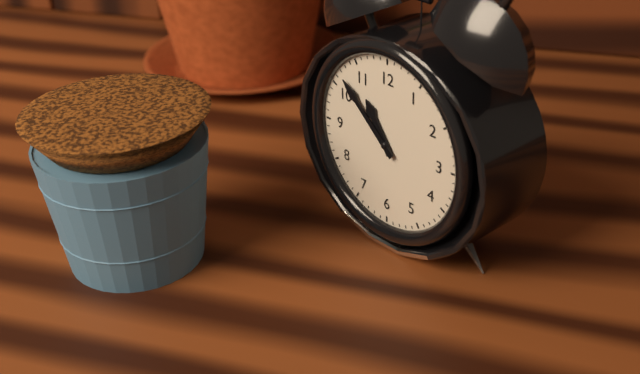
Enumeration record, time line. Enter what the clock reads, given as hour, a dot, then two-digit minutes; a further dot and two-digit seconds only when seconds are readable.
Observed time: 10.52
